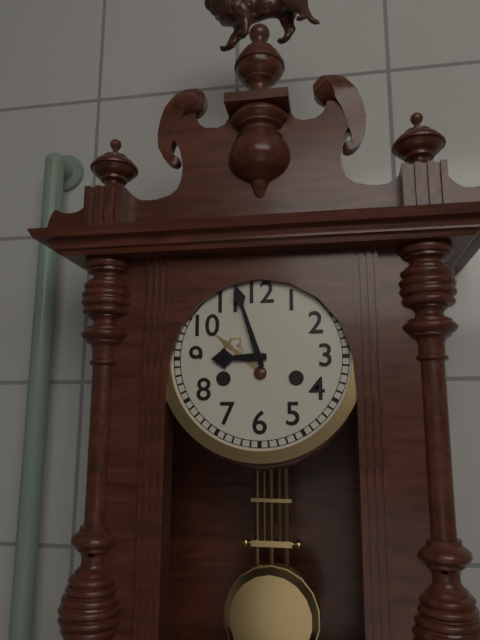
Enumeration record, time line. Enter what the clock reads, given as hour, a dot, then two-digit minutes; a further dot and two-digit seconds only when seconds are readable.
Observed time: 8.57
